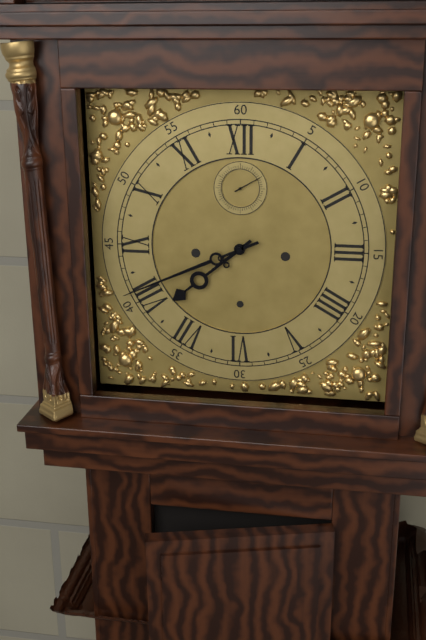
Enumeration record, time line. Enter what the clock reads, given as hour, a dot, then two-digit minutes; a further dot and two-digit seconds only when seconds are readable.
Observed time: 7.41
